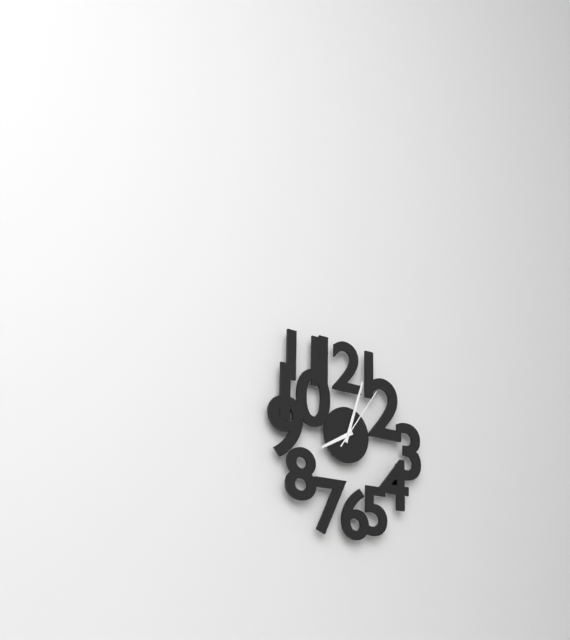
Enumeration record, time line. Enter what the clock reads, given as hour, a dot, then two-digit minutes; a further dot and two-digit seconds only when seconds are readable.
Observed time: 8.03.06
